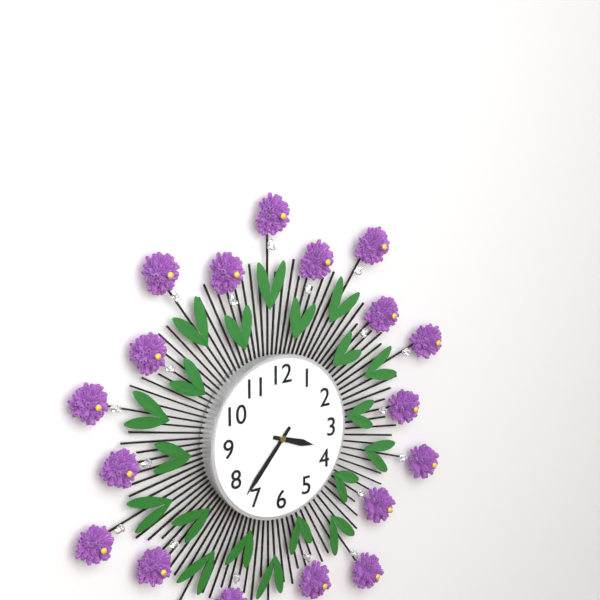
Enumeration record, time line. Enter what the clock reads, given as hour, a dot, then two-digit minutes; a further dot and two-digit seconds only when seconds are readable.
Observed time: 3.37
